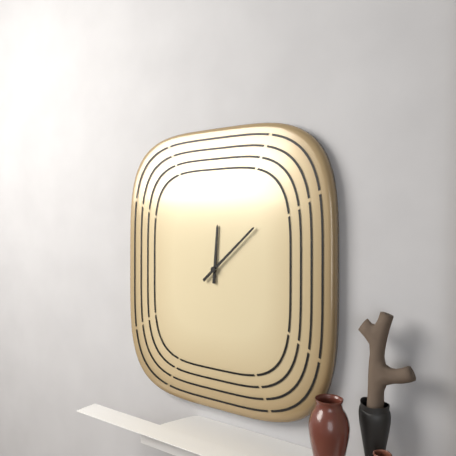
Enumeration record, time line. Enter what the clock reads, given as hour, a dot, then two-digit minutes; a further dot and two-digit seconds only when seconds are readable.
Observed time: 12.08
